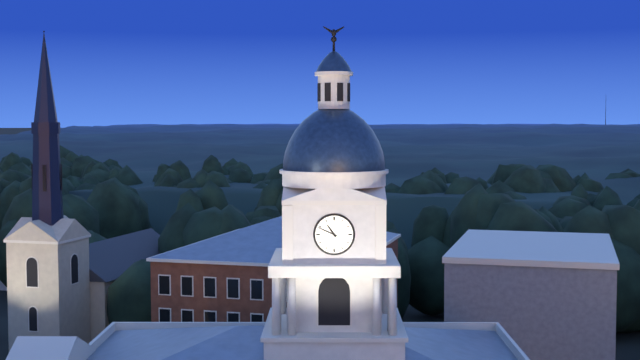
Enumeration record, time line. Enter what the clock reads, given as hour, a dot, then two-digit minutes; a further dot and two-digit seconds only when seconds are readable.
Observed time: 10.49
